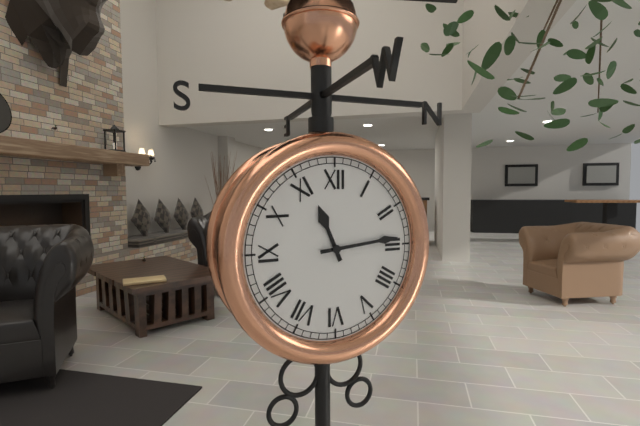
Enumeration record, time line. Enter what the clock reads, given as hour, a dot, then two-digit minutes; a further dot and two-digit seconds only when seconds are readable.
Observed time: 11.14
